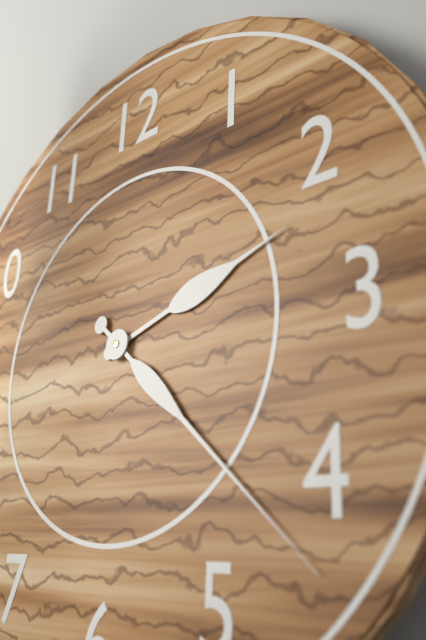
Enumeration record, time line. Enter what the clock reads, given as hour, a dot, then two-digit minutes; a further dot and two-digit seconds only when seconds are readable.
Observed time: 2.22
